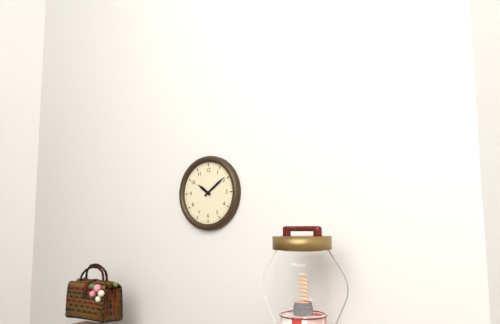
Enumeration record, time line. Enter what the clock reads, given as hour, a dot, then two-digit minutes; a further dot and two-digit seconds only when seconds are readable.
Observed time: 10.09
